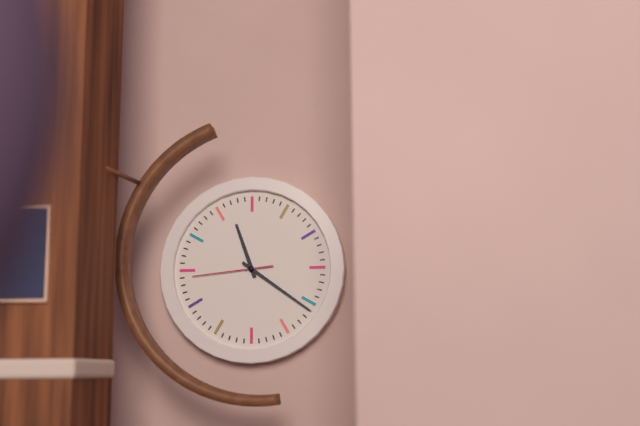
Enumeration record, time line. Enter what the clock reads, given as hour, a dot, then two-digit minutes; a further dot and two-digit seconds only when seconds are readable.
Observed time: 11.21.44
